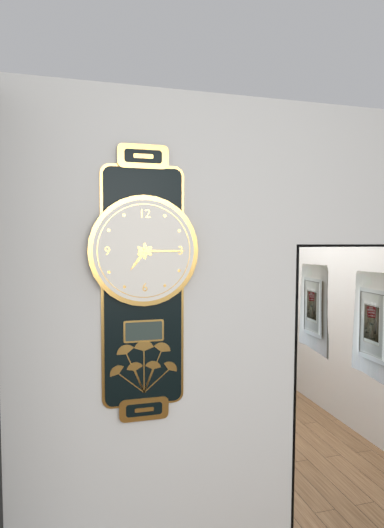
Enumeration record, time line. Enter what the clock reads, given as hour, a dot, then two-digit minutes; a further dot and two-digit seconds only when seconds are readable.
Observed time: 7.15
